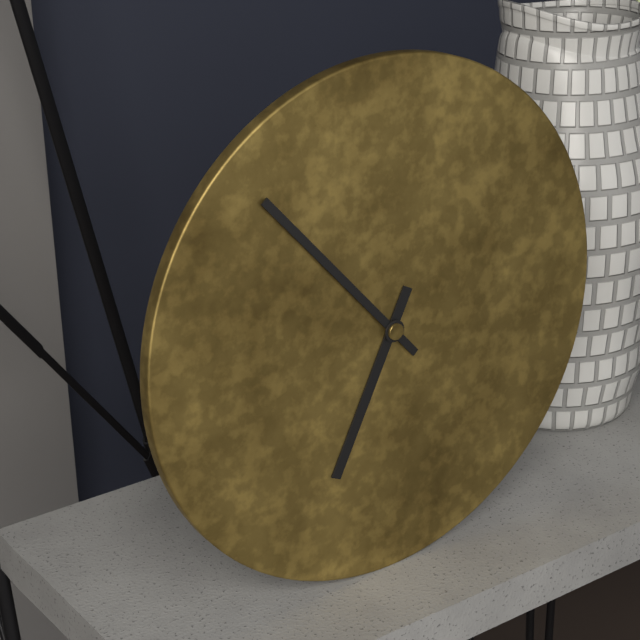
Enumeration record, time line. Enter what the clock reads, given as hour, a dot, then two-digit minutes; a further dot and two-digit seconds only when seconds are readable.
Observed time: 6.53
